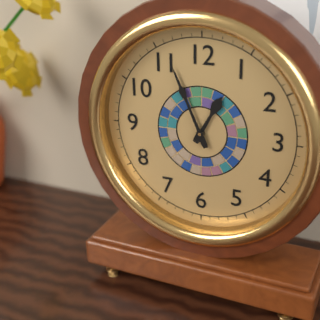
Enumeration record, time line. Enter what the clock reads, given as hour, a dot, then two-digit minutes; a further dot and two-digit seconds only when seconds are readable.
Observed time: 12.56
